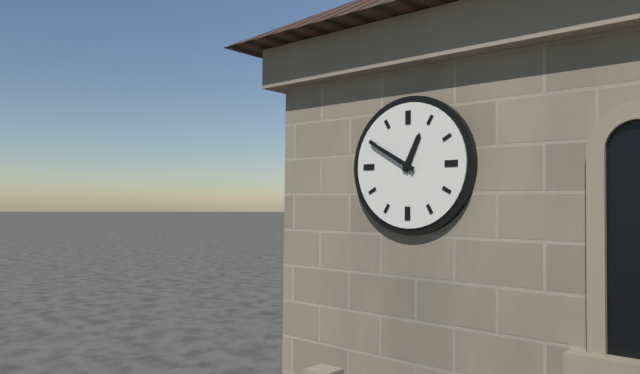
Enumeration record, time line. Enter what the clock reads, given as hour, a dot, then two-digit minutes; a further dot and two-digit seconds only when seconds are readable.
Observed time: 12.50
